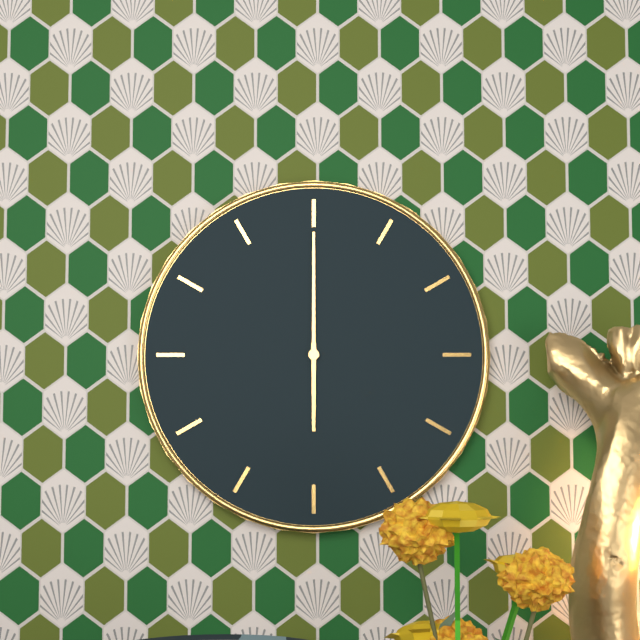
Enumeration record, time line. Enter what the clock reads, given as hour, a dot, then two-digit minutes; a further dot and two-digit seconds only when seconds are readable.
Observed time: 6.00
